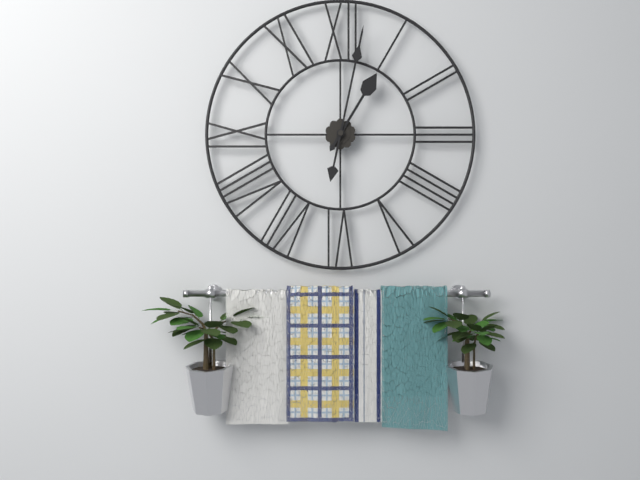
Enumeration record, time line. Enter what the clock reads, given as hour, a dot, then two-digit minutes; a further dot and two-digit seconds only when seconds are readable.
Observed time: 1.02
